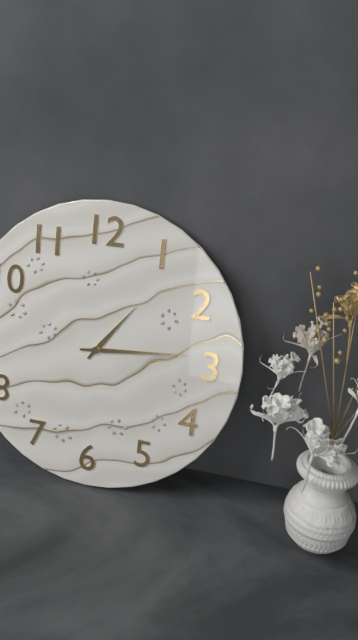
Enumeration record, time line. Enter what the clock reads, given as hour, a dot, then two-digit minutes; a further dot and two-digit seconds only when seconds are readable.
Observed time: 1.14
